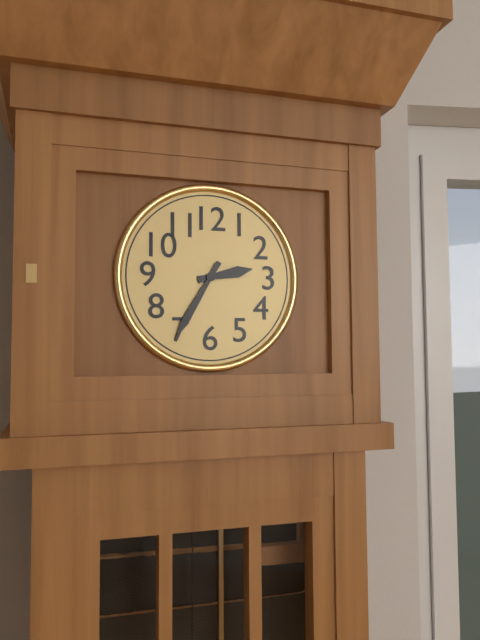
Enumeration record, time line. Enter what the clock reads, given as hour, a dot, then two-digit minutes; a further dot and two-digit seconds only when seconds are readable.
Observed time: 2.35
